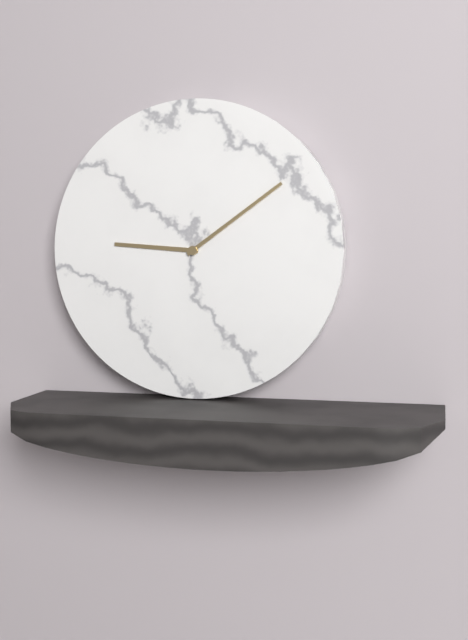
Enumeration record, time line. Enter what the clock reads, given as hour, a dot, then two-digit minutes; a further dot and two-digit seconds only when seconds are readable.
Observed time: 9.09
